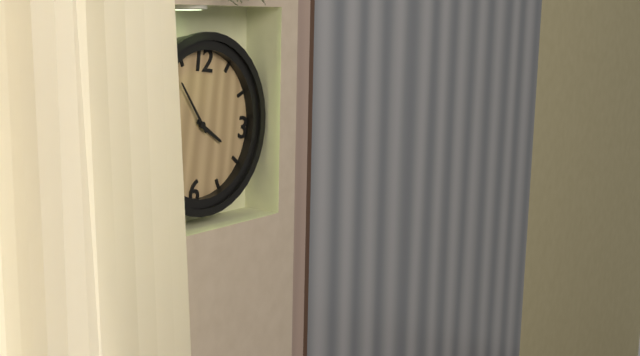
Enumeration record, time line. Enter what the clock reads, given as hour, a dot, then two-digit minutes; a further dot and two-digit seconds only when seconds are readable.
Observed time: 3.53
